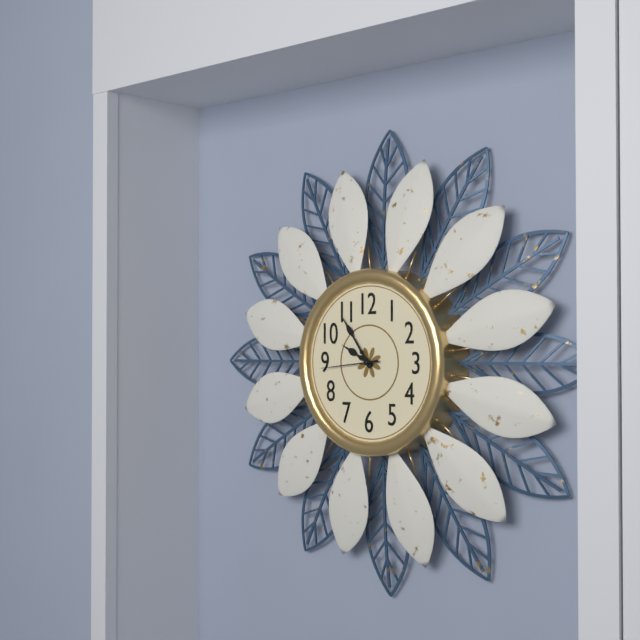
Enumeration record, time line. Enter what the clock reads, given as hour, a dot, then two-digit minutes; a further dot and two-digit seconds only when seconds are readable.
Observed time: 9.54.44
